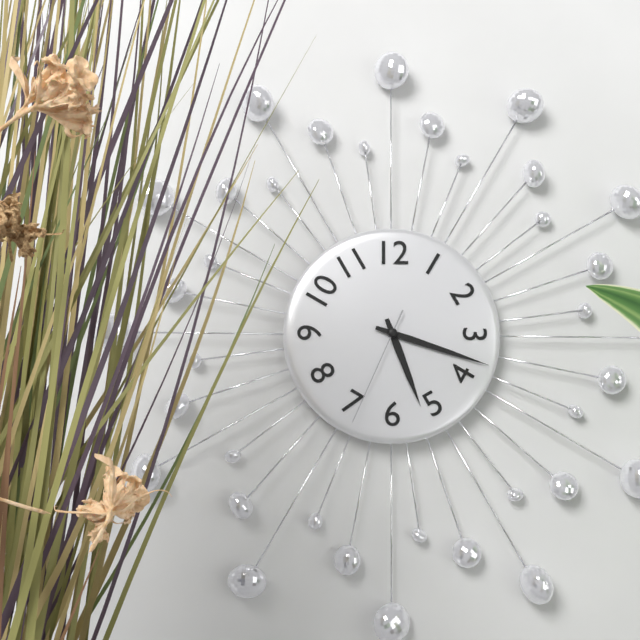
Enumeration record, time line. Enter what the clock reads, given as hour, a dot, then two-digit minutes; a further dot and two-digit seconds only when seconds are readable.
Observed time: 5.18.34
